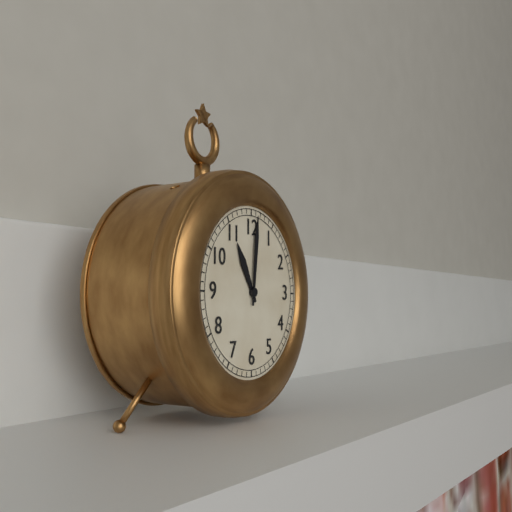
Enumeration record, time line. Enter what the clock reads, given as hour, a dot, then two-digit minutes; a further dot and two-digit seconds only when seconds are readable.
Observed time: 11.01
